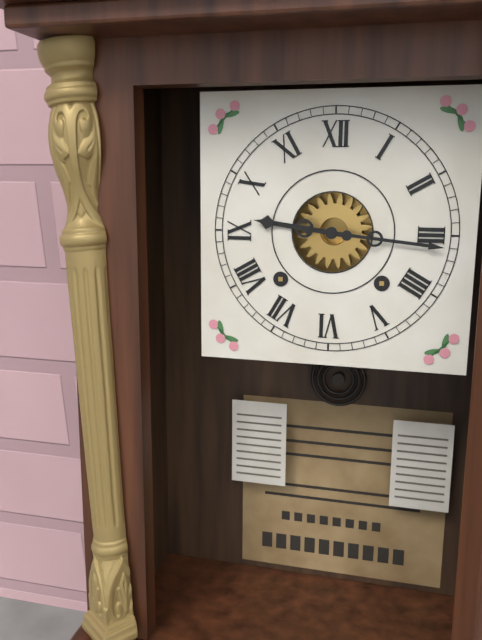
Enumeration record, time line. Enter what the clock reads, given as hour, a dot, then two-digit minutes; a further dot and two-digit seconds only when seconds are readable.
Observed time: 9.16
